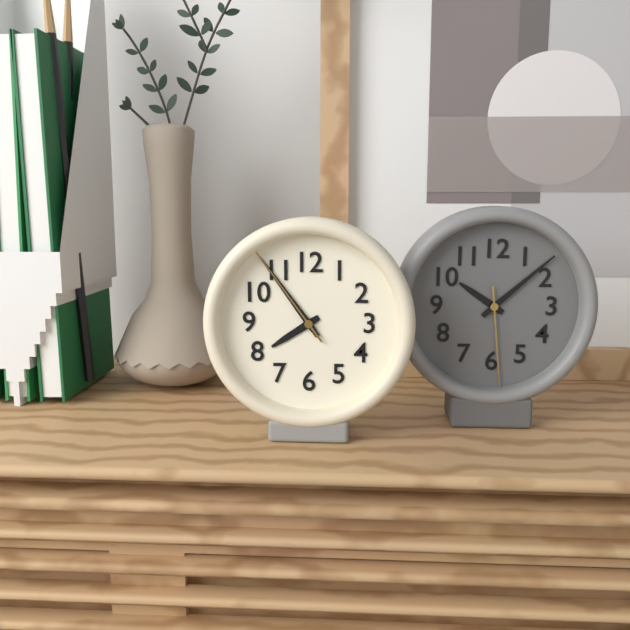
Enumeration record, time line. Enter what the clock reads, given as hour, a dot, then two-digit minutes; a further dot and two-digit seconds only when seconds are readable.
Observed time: 7.54.54
